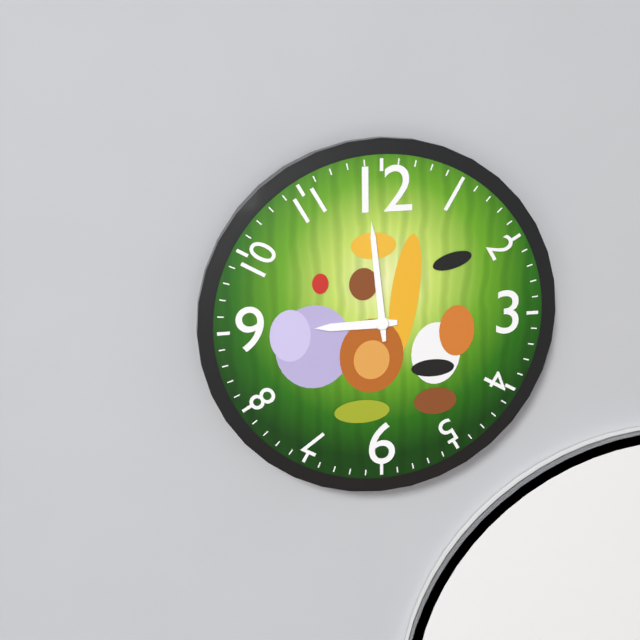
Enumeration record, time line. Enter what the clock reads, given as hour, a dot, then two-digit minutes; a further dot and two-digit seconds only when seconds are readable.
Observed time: 8.59
